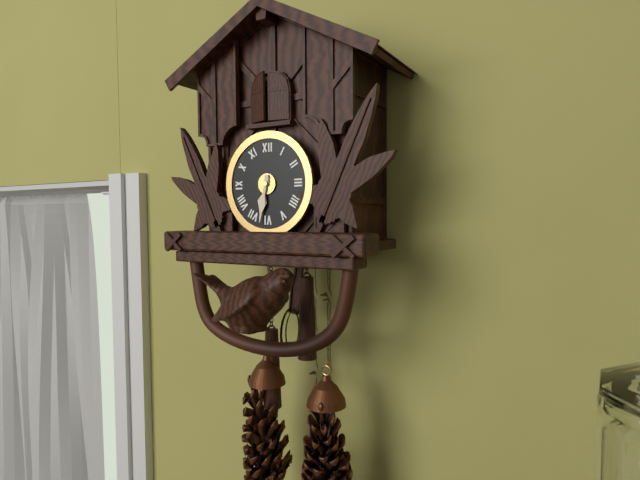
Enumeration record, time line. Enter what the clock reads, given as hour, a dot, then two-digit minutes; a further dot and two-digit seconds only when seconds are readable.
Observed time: 6.32
